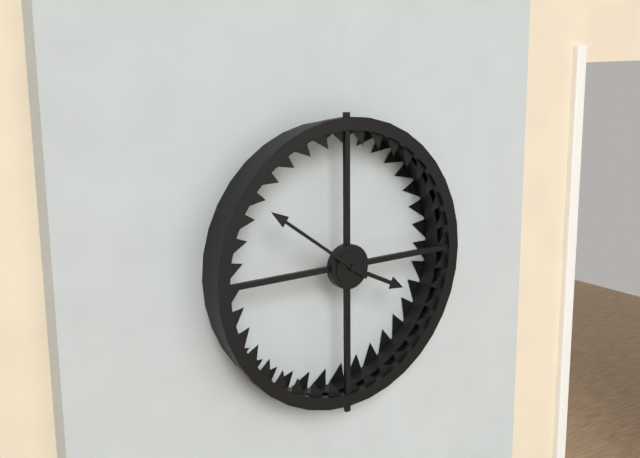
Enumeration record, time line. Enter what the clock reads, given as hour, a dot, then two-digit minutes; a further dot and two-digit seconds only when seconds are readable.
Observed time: 3.51
